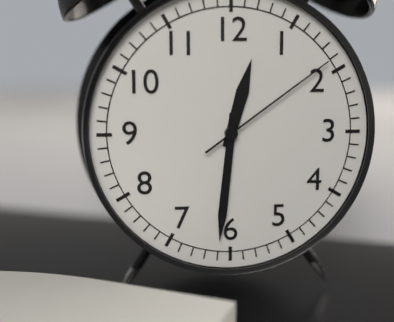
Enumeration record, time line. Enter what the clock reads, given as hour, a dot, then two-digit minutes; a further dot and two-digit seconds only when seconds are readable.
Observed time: 12.31.09
